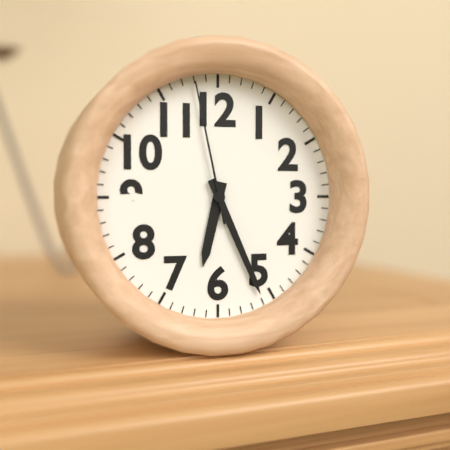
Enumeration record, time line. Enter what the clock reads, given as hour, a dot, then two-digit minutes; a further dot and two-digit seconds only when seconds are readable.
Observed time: 6.26.58
